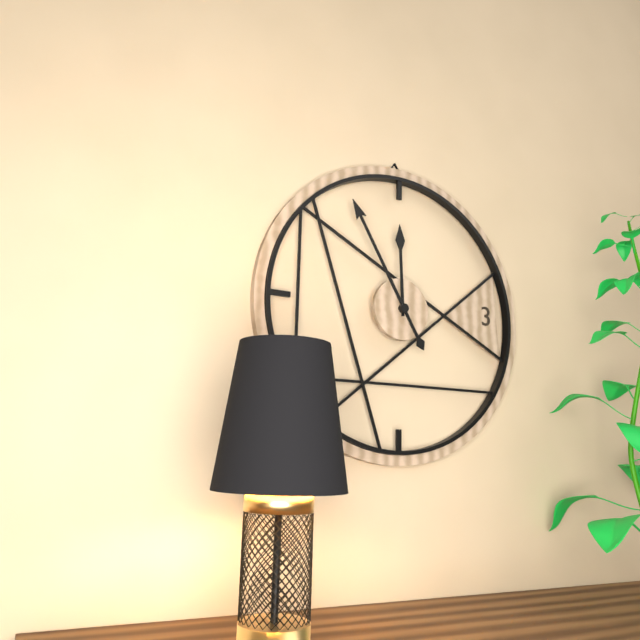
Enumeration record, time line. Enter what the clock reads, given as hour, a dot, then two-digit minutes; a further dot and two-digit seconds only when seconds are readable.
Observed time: 11.55
